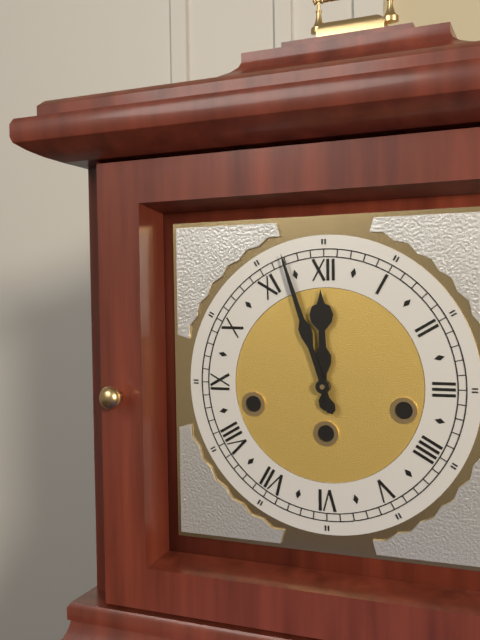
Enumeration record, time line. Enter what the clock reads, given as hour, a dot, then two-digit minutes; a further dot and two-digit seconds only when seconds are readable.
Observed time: 11.57
